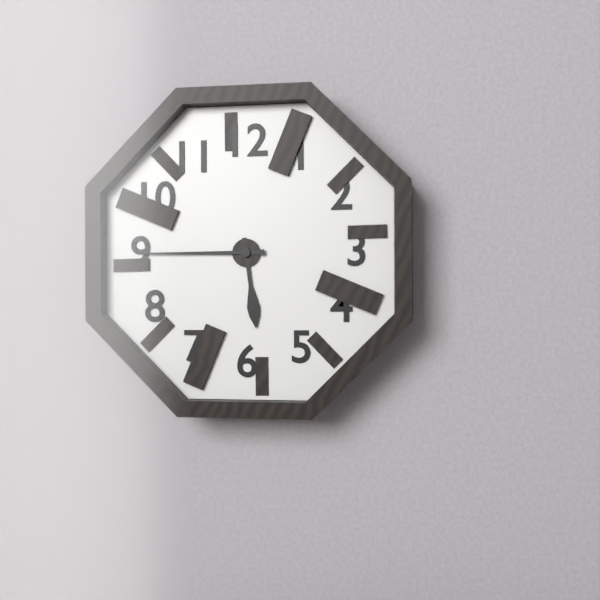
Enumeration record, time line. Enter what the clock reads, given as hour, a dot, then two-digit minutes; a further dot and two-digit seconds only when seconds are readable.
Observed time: 5.45
